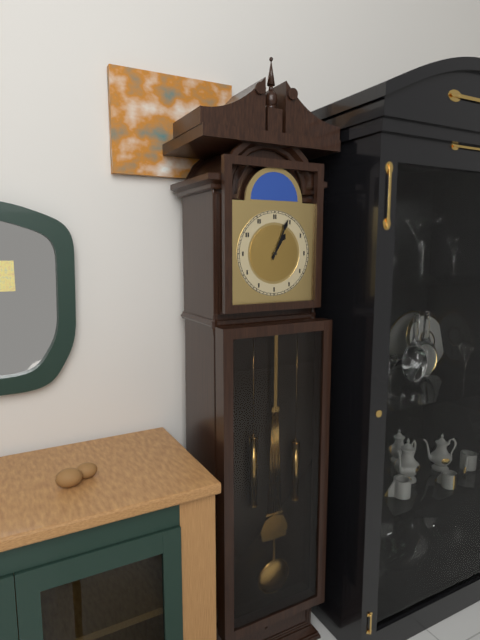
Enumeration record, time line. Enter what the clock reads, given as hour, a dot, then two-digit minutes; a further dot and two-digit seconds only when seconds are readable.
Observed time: 1.04
